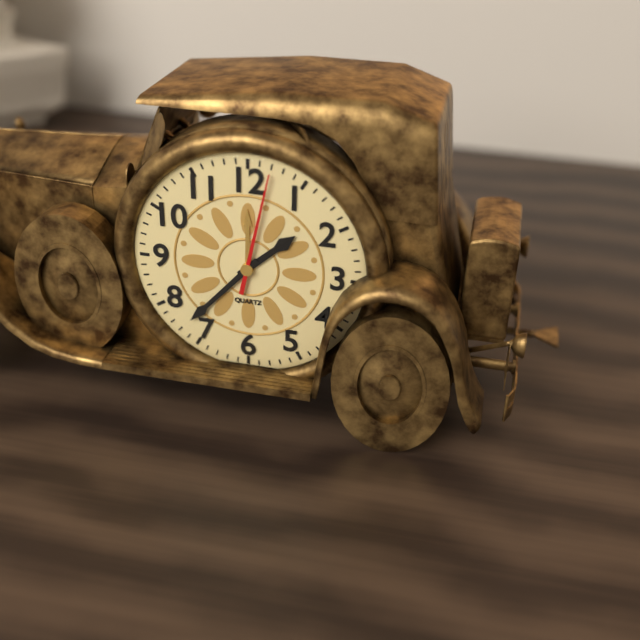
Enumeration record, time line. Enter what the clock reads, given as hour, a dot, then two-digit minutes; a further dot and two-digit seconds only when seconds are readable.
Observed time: 1.37.02
